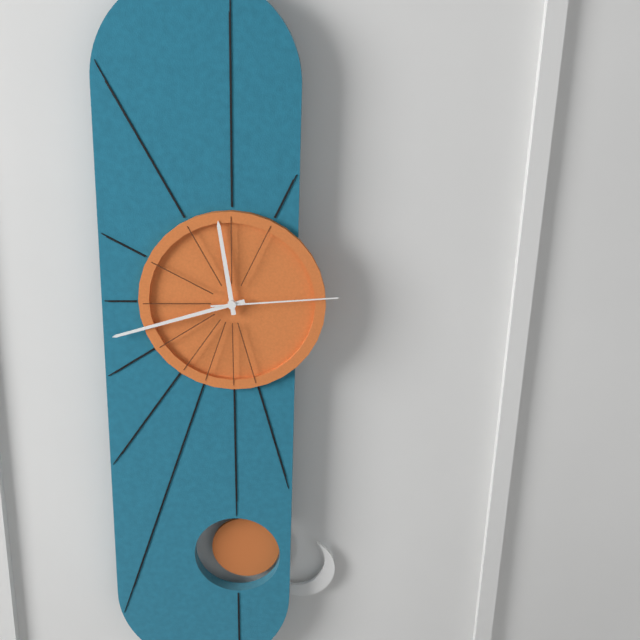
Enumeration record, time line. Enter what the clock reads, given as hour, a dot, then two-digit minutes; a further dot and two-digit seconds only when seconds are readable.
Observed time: 11.42.14
